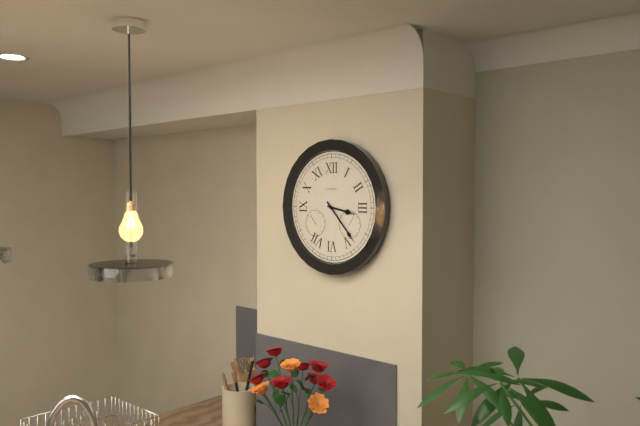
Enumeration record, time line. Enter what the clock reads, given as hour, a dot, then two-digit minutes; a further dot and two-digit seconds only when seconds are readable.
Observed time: 3.23
